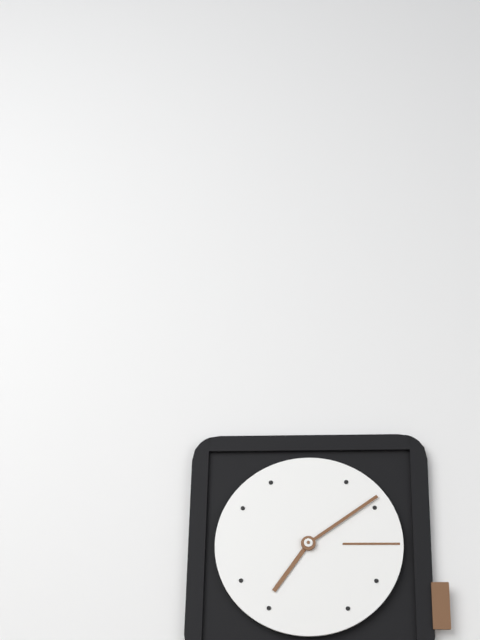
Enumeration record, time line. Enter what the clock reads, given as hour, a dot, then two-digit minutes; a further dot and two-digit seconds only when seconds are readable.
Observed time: 7.09
